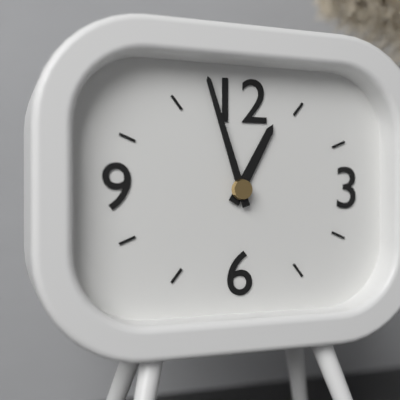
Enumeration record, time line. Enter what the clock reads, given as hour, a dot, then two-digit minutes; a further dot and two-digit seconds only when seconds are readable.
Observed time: 12.57
